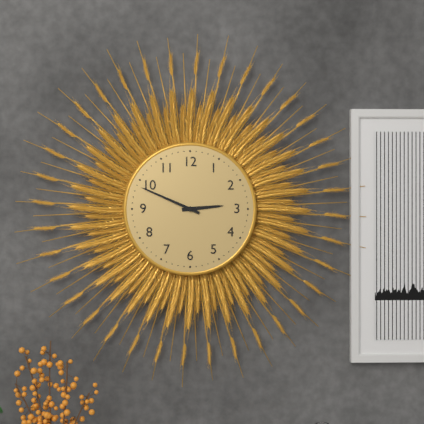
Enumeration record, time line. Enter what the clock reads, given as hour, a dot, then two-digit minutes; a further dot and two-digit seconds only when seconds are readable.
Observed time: 2.49
